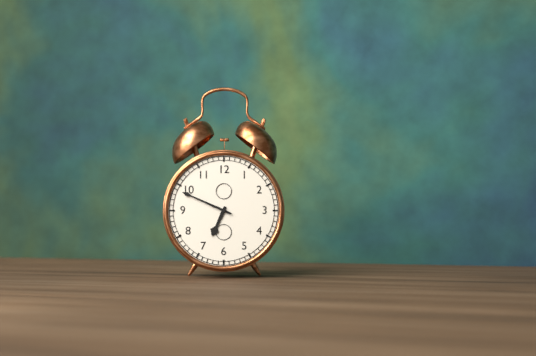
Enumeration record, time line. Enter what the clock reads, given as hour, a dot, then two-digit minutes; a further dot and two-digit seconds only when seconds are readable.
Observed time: 6.49
